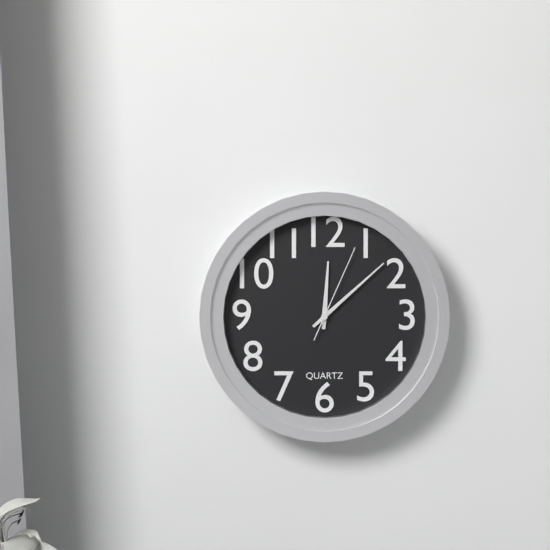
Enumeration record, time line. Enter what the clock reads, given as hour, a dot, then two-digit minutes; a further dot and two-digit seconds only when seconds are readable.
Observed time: 12.08.04
